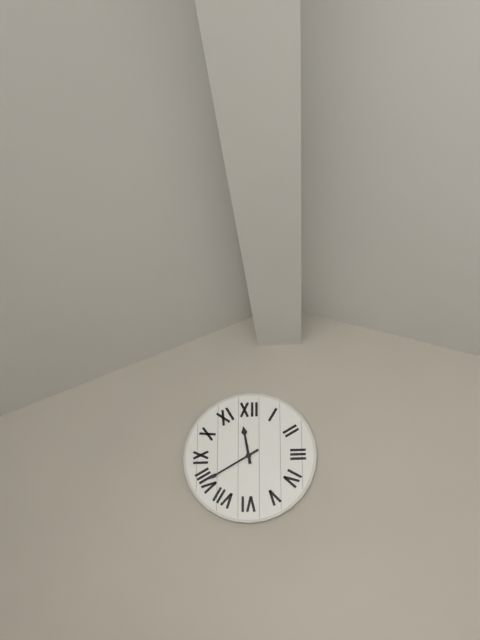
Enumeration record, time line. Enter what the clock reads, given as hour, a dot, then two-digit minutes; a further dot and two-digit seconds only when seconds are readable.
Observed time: 11.40
